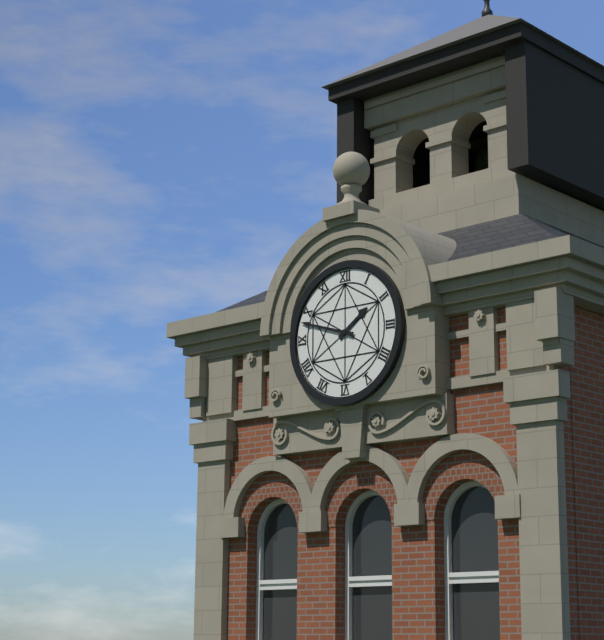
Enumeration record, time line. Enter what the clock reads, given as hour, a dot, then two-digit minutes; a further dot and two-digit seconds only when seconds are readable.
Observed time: 1.48
